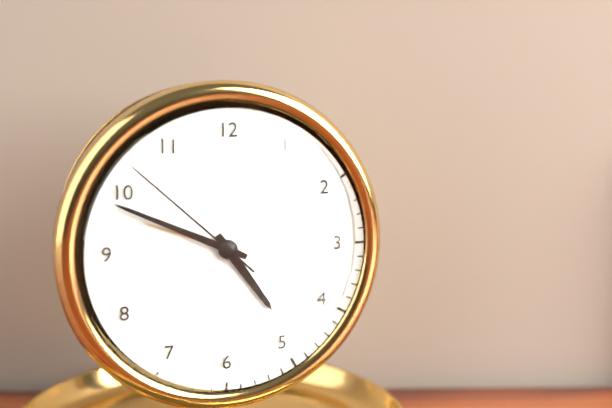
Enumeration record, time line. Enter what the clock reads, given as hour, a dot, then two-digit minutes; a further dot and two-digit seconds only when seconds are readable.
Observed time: 4.49.52
